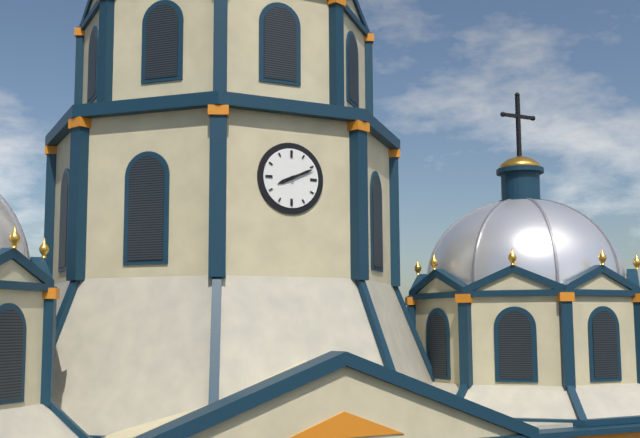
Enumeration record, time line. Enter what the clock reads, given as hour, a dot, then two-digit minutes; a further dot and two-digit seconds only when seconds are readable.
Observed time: 8.11
